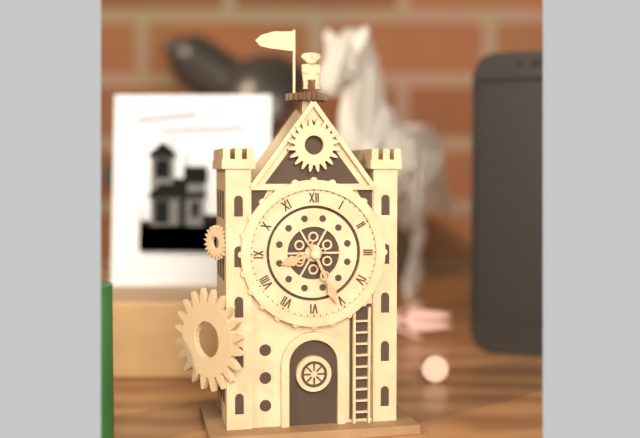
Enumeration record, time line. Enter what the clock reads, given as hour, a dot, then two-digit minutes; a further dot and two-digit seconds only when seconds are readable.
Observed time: 8.26
